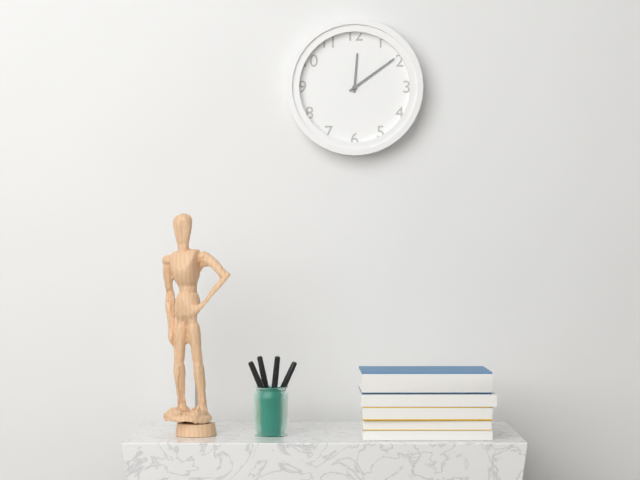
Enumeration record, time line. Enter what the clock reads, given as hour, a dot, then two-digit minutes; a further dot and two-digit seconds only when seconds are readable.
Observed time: 12.09
